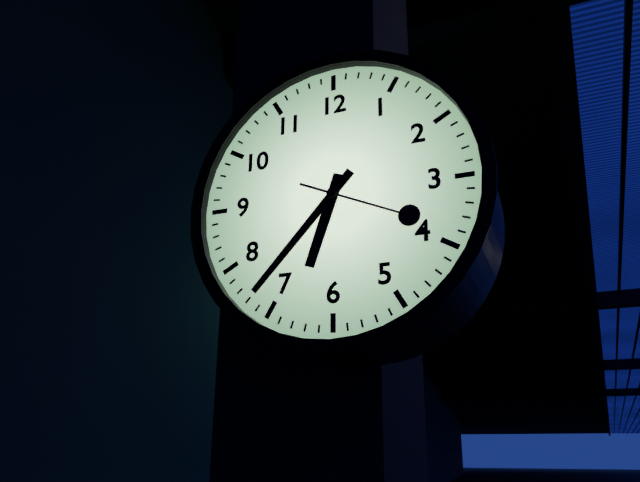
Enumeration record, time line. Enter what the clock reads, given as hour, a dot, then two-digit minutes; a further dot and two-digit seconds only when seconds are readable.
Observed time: 6.37.19
